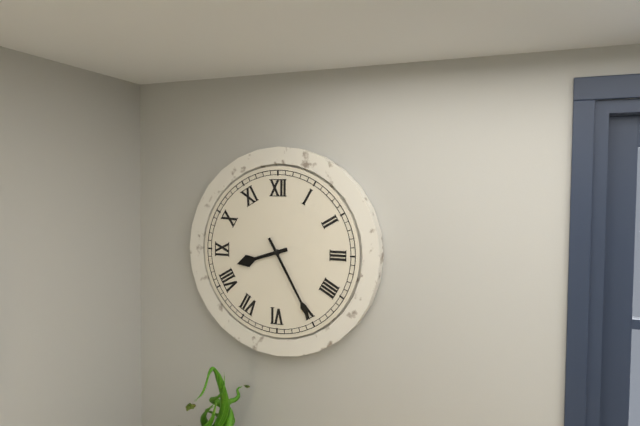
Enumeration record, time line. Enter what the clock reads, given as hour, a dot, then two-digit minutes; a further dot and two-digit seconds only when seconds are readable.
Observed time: 8.25
